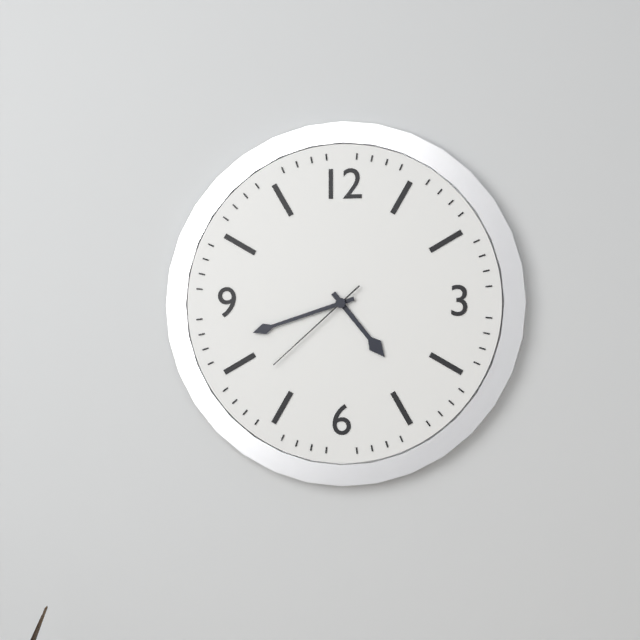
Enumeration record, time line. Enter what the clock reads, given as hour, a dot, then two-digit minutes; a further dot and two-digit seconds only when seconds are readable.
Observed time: 4.42.38
